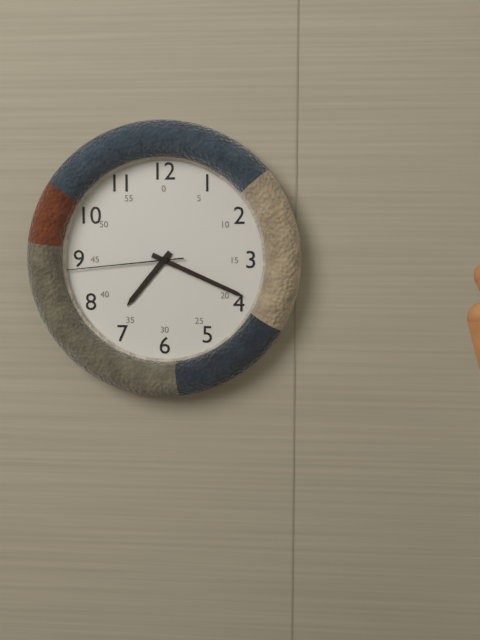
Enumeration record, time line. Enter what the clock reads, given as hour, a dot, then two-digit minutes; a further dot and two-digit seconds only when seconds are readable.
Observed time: 7.19.44
